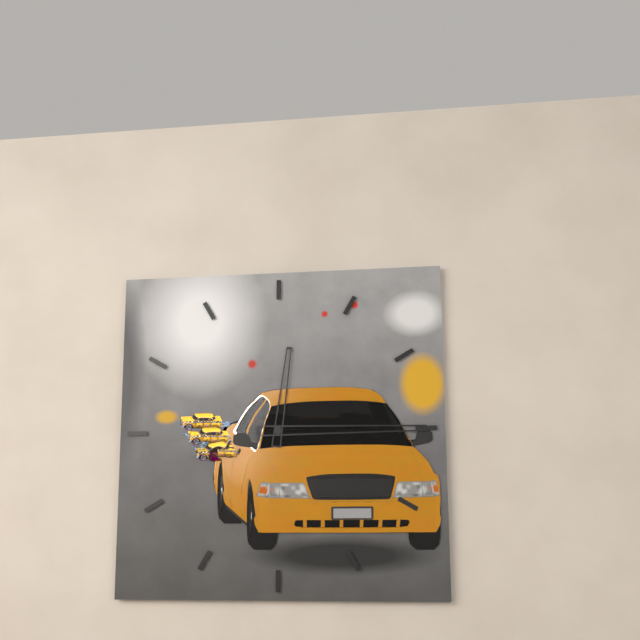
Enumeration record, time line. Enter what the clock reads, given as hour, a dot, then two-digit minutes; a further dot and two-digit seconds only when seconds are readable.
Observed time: 12.15
